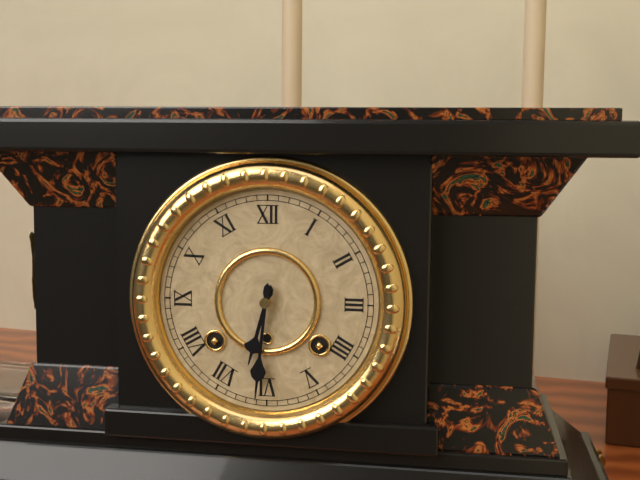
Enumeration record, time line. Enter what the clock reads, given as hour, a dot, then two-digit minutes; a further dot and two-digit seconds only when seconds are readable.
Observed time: 6.31
